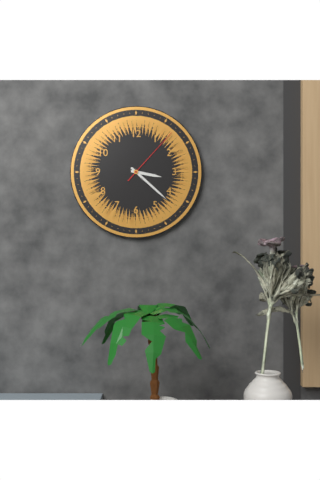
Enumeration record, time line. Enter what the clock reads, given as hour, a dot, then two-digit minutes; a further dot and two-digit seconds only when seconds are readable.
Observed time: 3.22.07
